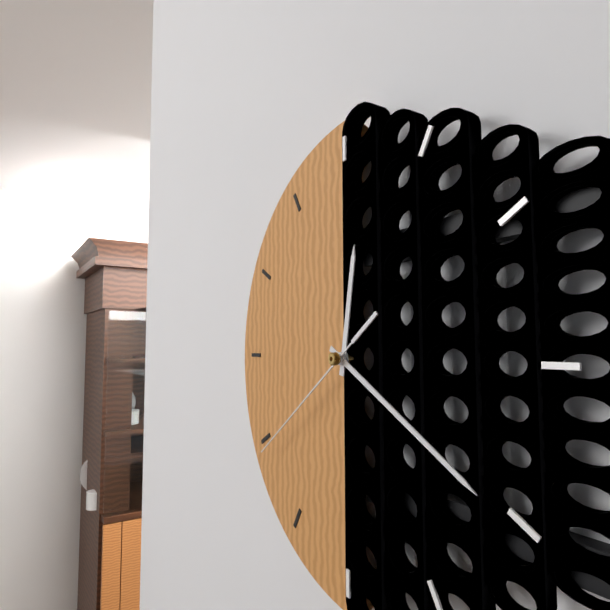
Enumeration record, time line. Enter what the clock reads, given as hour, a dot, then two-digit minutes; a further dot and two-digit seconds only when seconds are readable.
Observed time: 12.20.39
